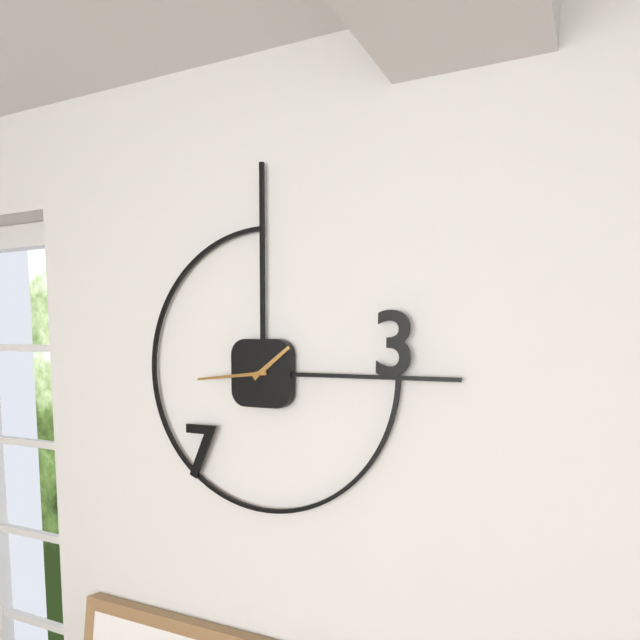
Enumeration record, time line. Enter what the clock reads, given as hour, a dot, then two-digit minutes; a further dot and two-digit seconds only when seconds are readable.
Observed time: 1.44
